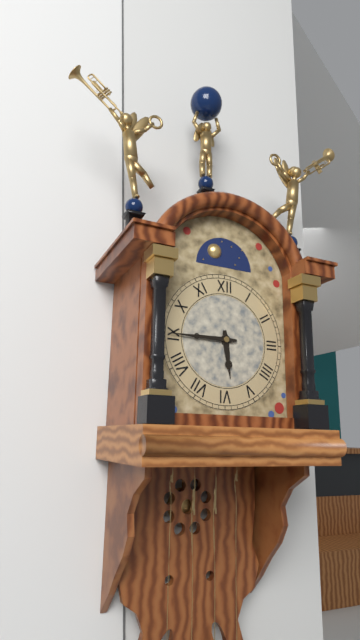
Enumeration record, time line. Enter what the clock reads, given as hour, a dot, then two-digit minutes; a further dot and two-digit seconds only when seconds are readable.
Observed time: 5.45
